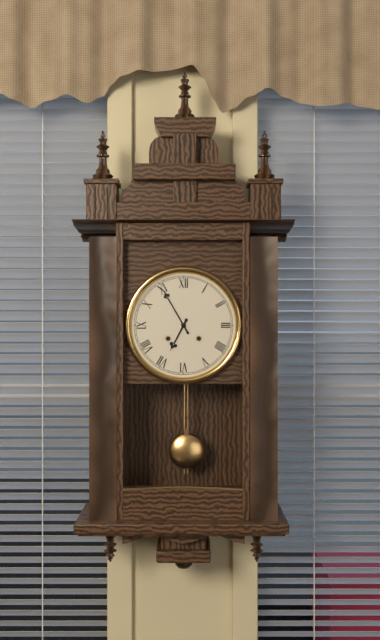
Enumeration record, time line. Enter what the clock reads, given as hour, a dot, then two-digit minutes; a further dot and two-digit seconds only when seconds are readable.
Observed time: 6.55
